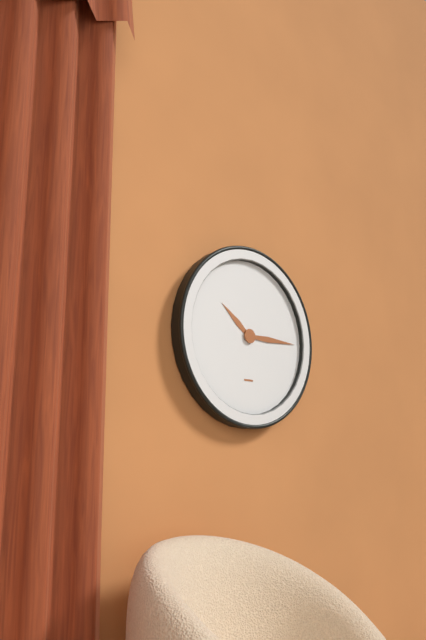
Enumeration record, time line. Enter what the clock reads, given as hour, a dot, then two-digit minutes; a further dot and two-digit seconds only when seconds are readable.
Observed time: 10.15
